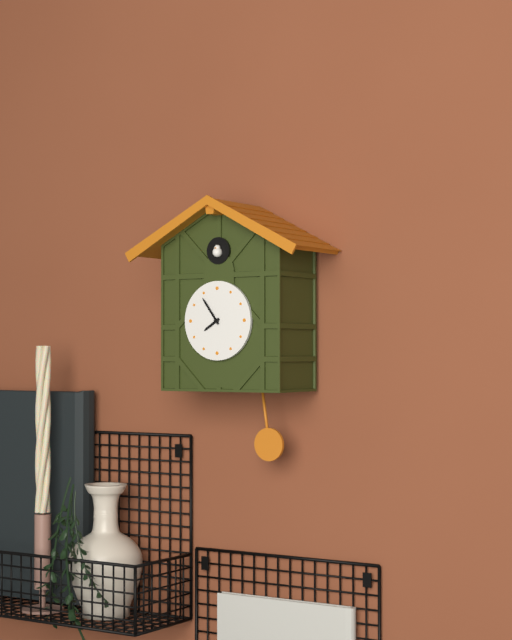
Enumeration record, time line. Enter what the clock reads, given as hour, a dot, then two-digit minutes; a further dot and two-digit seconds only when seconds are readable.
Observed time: 7.54
